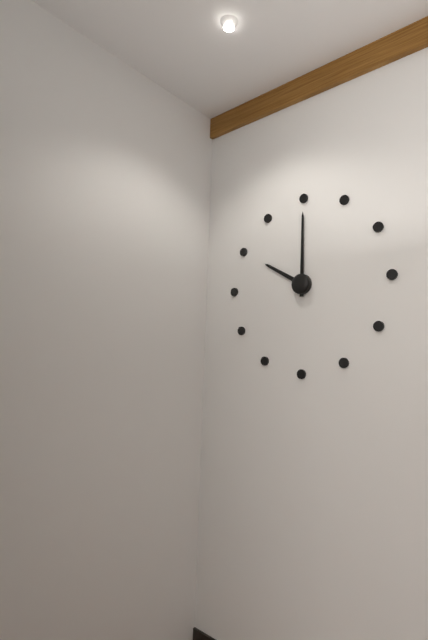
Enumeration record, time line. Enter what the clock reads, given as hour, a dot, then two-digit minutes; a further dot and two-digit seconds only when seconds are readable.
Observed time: 10.00
